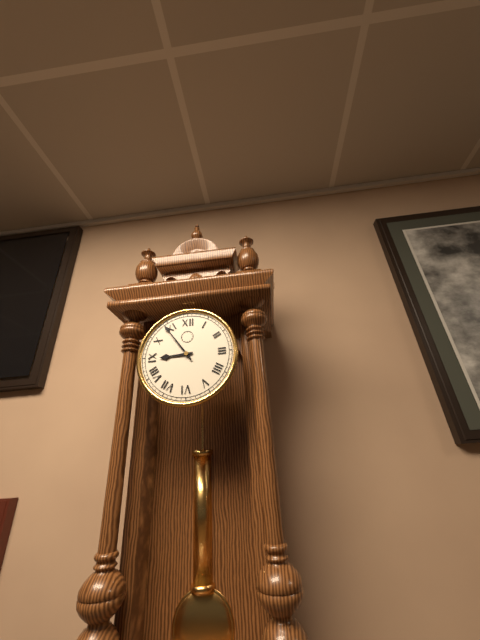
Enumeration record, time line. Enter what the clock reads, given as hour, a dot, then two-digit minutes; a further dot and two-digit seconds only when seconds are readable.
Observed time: 8.54
